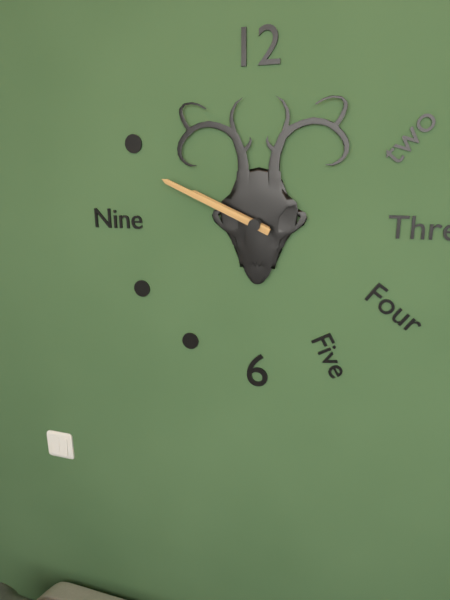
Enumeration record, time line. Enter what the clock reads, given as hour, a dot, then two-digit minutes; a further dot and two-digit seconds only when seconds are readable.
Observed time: 9.49
